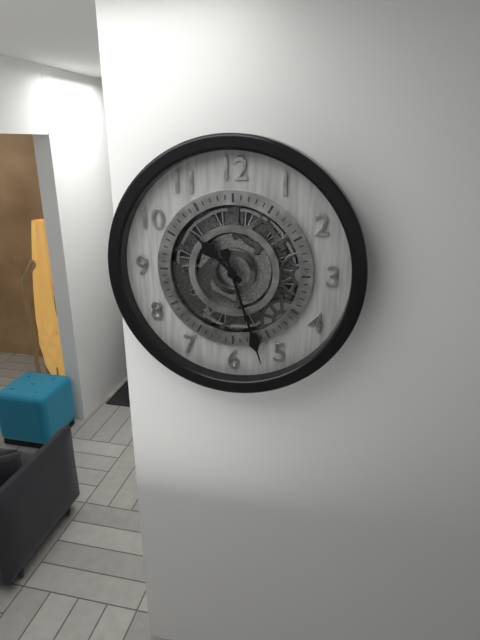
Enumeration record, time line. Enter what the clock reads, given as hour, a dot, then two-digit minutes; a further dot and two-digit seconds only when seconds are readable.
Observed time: 10.27
